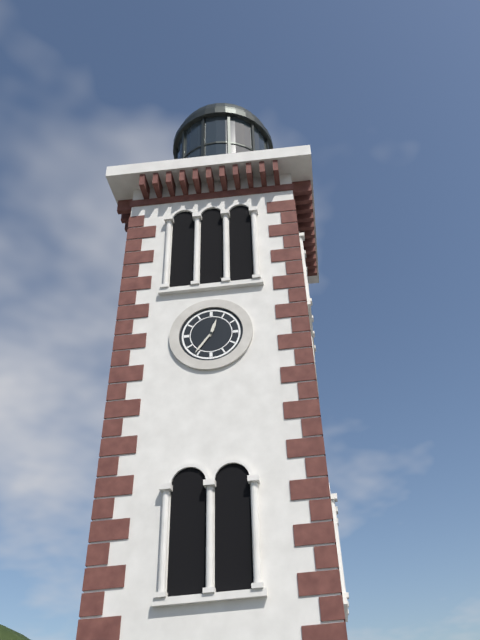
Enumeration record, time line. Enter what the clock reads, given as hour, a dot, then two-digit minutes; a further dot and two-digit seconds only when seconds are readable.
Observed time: 12.36
